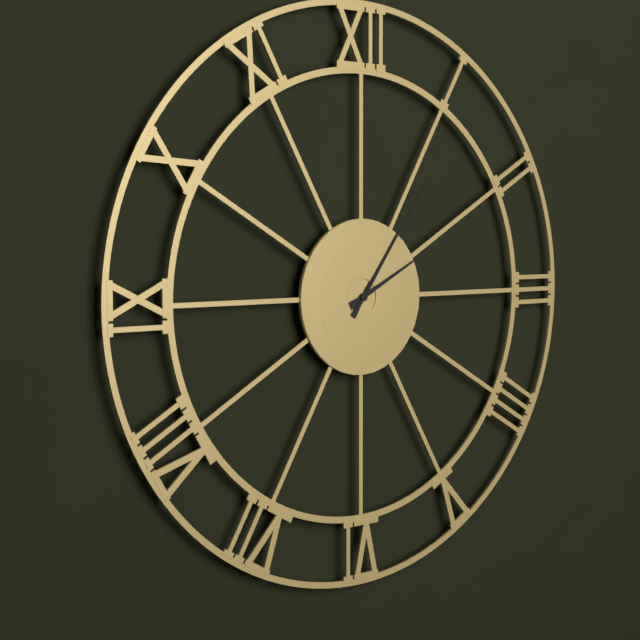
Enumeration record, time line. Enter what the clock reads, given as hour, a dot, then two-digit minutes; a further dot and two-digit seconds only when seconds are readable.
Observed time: 2.06
